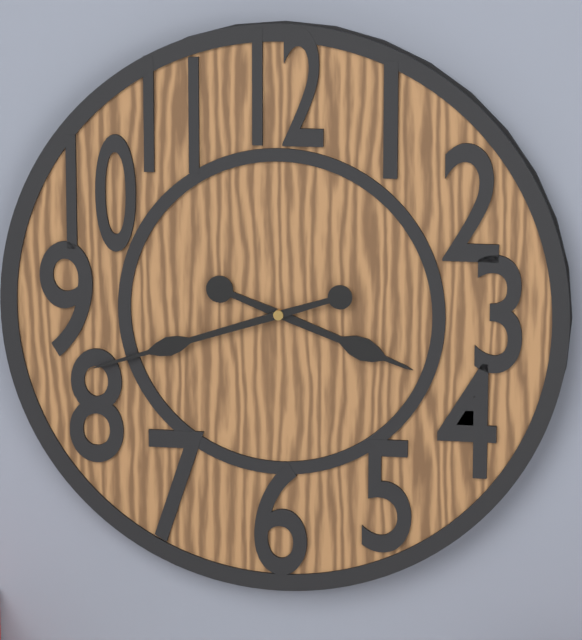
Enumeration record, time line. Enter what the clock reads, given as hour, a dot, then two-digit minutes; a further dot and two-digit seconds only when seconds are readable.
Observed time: 3.42
